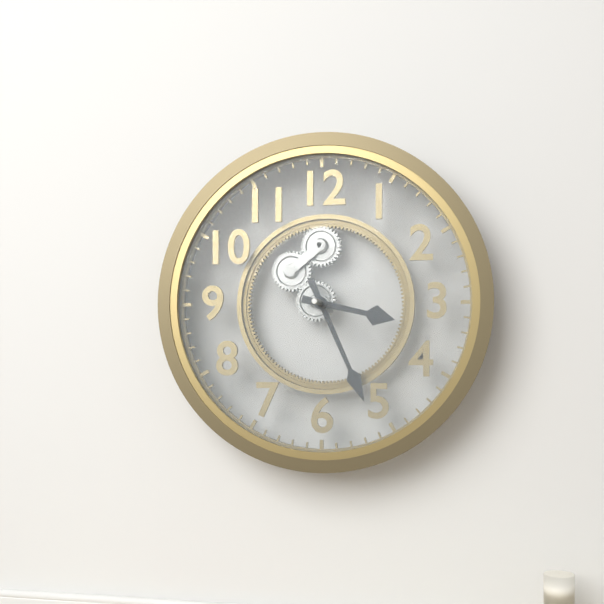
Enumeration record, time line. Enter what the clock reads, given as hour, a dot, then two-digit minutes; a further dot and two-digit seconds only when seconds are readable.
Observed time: 3.26
